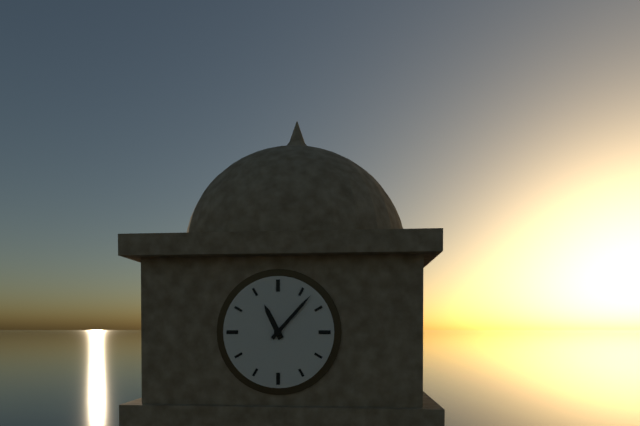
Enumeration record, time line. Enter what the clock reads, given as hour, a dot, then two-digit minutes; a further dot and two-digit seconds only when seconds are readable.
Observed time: 11.07
